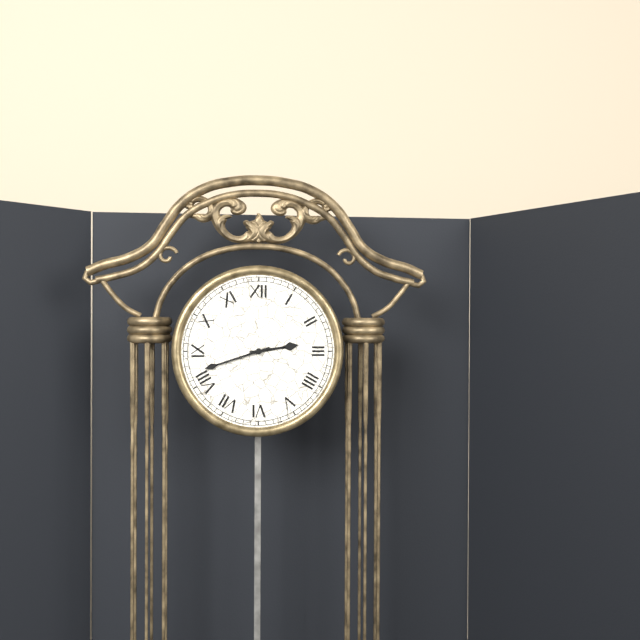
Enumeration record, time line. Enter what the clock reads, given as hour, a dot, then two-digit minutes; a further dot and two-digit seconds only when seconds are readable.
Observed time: 2.42
